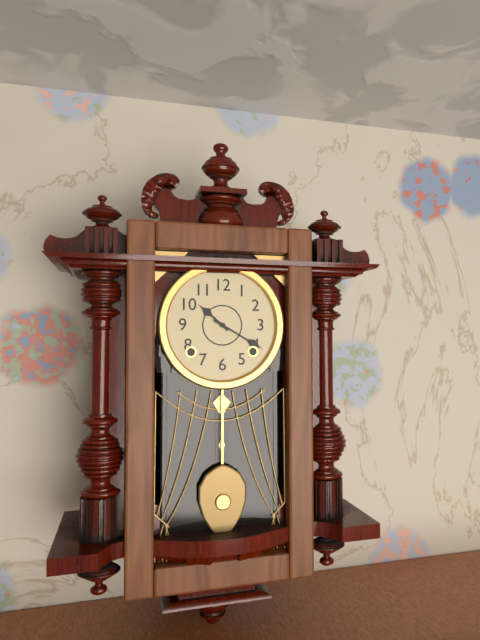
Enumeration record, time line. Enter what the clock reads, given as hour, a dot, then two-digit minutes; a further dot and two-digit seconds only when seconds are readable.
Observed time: 10.20
